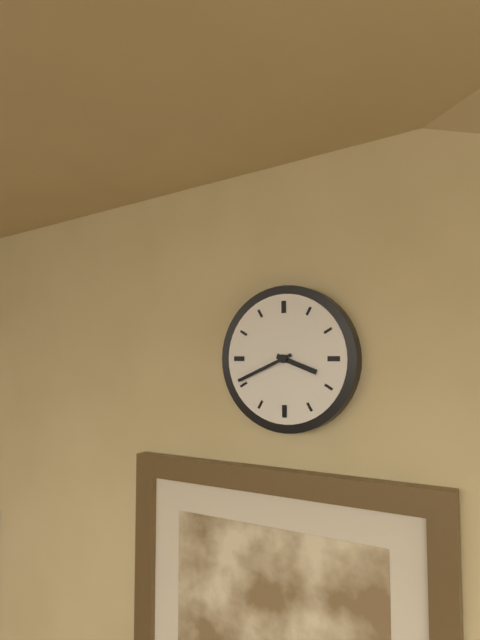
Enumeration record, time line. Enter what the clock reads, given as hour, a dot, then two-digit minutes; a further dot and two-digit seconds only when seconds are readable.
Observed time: 3.41
